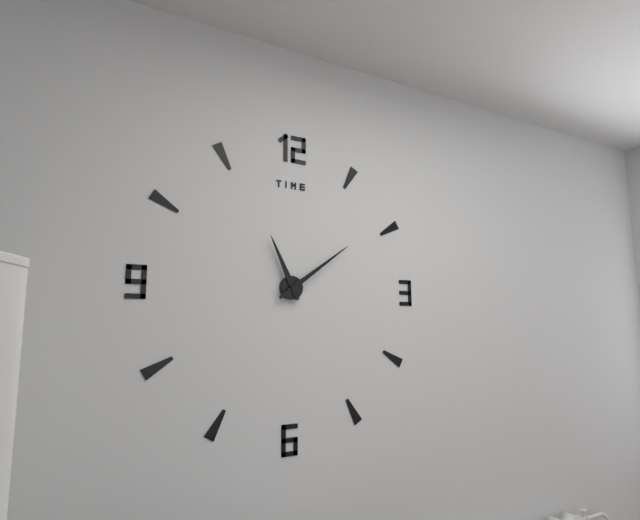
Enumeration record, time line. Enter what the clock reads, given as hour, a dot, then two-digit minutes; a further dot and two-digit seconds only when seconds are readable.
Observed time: 11.09
